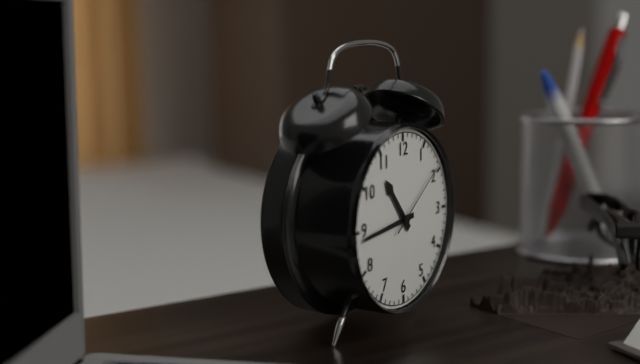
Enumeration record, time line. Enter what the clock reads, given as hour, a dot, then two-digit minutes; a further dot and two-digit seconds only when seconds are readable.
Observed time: 10.44.09
